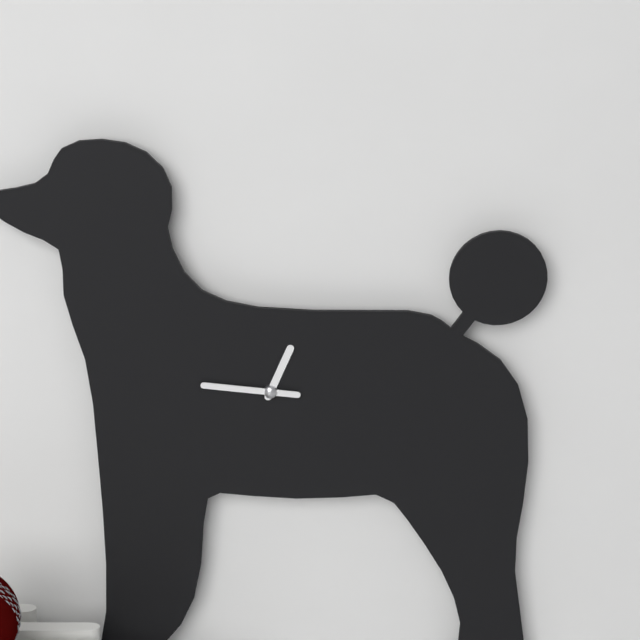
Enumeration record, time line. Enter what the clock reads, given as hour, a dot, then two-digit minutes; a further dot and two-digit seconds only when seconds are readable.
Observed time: 12.46
